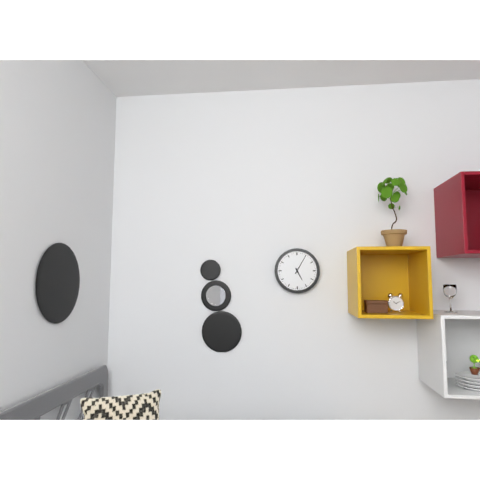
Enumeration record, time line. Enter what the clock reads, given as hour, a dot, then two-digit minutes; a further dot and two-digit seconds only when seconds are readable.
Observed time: 5.05
